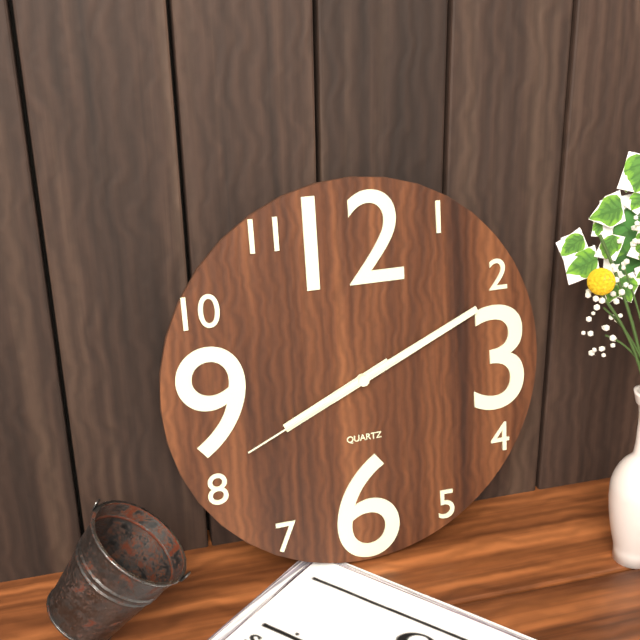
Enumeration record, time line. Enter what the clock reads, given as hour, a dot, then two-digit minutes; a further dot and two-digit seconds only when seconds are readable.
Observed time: 8.11.41
